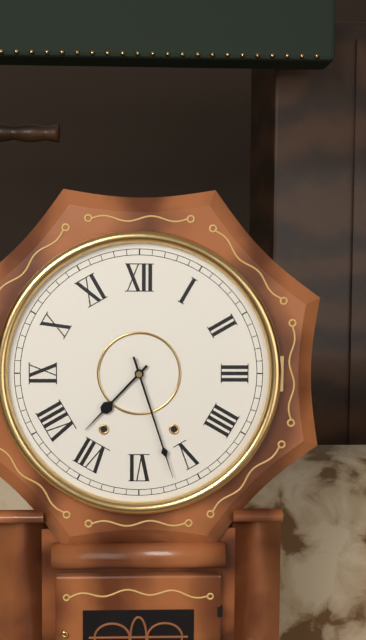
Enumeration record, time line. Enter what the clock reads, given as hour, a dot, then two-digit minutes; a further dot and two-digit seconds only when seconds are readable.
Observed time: 7.27
